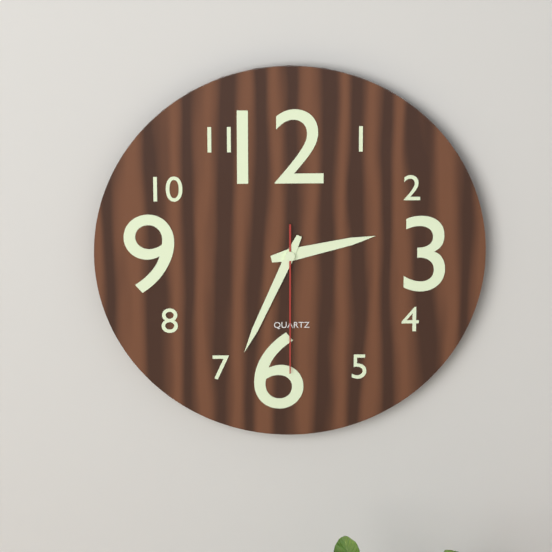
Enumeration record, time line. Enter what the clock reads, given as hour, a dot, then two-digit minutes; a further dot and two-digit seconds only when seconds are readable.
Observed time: 2.34.30
